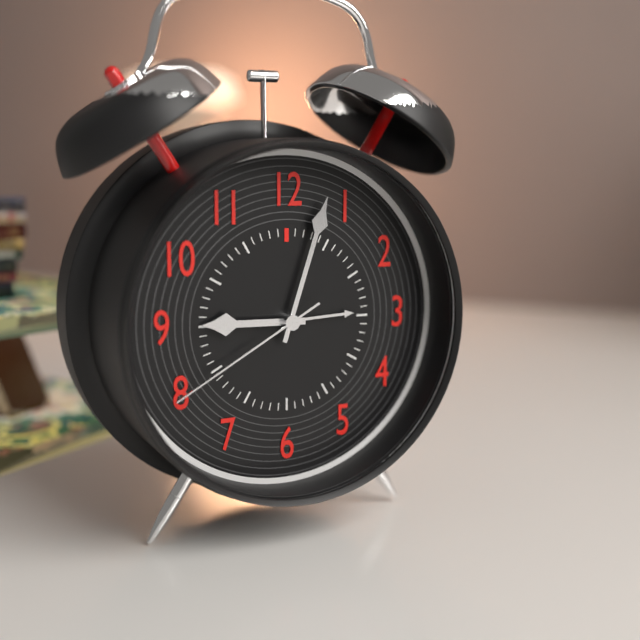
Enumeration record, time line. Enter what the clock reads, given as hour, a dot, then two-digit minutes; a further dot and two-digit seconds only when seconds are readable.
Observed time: 9.03.40
